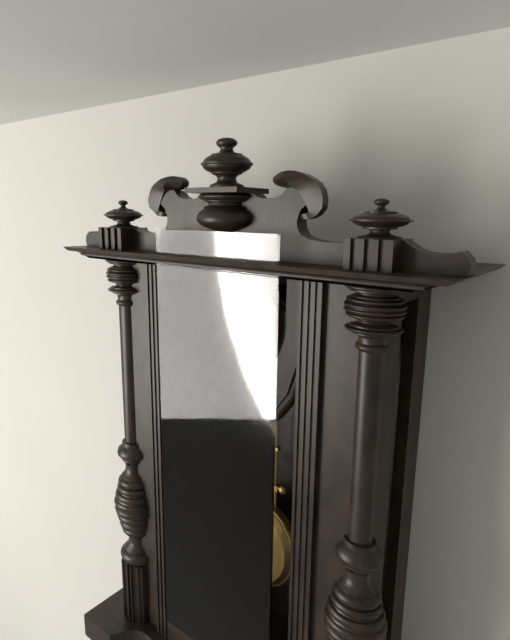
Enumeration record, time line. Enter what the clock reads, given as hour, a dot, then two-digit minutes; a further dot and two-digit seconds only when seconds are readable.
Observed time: 3.16
